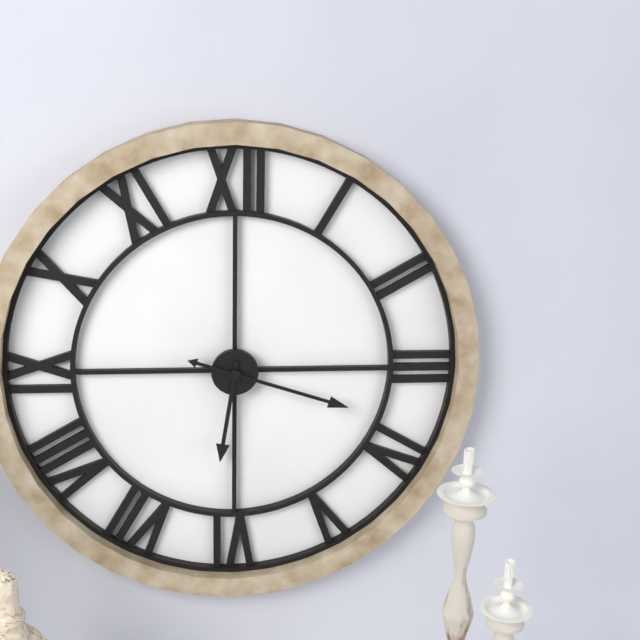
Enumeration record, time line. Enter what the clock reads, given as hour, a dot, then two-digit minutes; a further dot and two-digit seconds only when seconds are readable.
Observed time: 6.18
